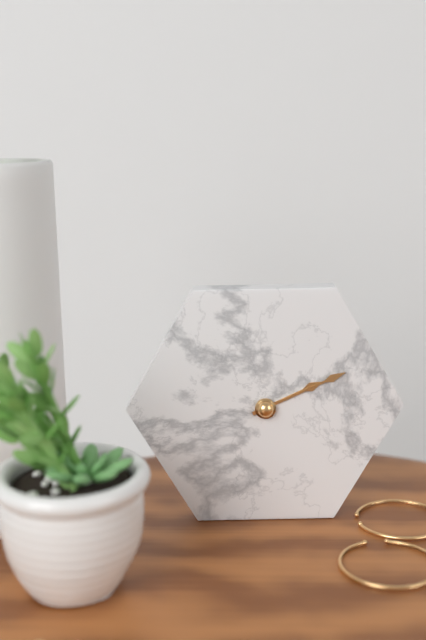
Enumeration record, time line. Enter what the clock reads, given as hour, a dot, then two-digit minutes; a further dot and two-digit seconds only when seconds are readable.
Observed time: 2.11
